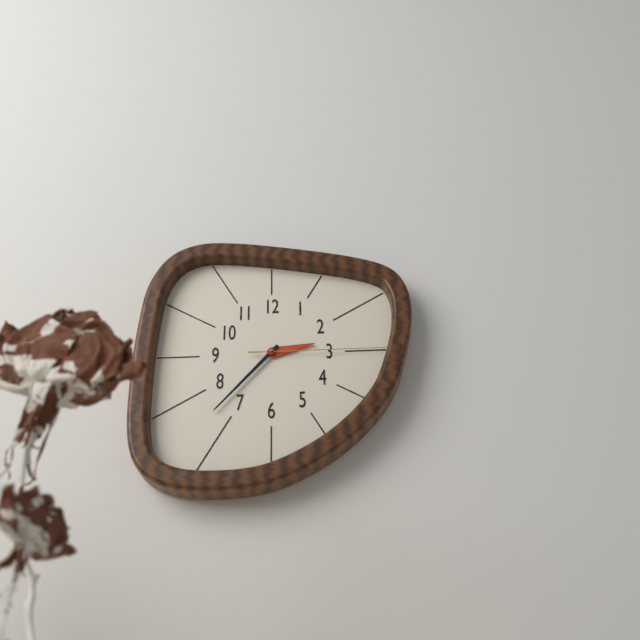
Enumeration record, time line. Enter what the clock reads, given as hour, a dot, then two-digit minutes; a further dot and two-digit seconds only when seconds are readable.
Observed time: 2.37.15
